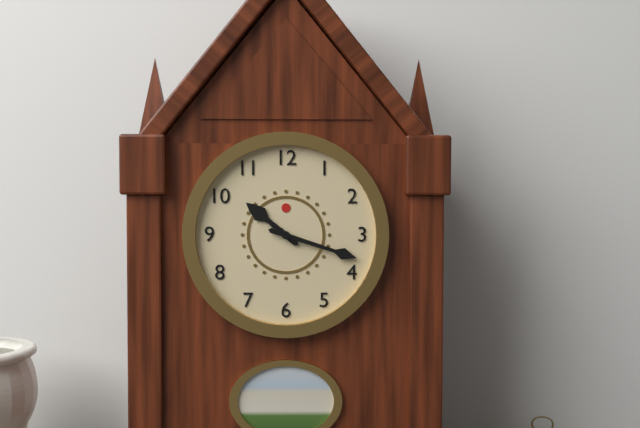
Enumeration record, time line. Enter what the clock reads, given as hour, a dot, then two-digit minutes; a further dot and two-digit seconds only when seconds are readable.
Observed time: 10.18
